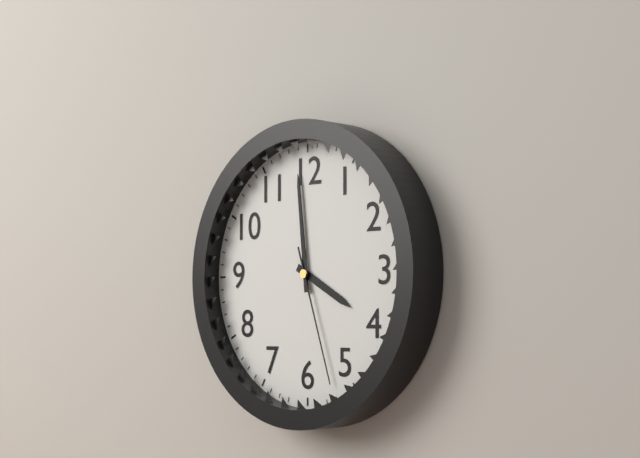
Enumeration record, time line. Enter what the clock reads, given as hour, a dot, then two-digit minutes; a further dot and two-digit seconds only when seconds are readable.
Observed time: 3.59.27
